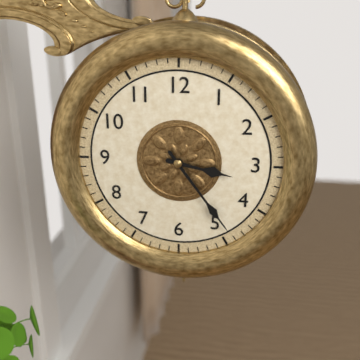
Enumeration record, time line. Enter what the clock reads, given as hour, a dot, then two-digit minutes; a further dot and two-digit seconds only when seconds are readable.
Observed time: 3.24
